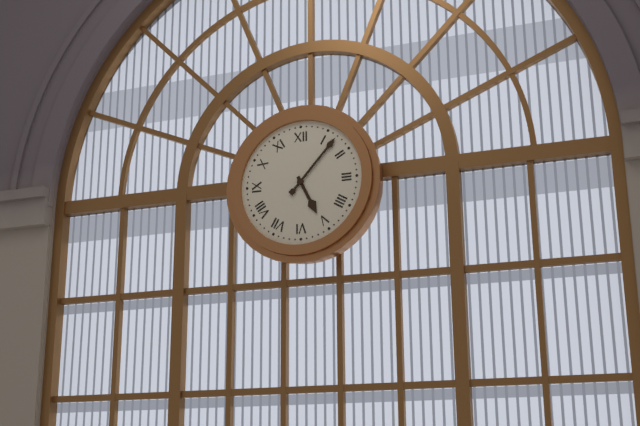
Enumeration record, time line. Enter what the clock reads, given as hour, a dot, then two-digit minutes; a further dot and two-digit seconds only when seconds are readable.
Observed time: 5.07
